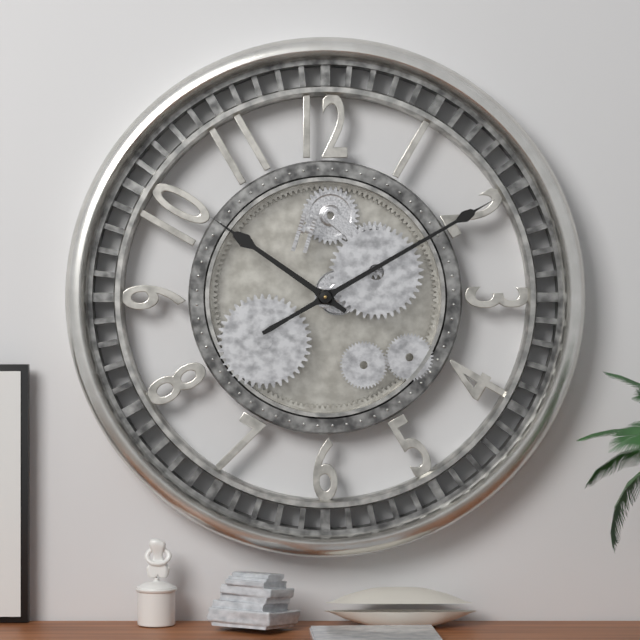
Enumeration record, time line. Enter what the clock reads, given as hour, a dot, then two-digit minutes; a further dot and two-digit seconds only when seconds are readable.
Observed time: 10.10
